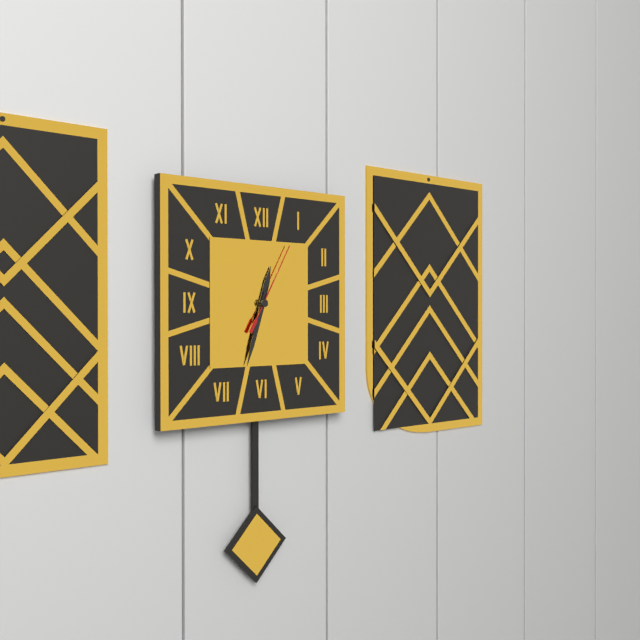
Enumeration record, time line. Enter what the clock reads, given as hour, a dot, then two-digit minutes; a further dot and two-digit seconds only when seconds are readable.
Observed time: 12.33.05
